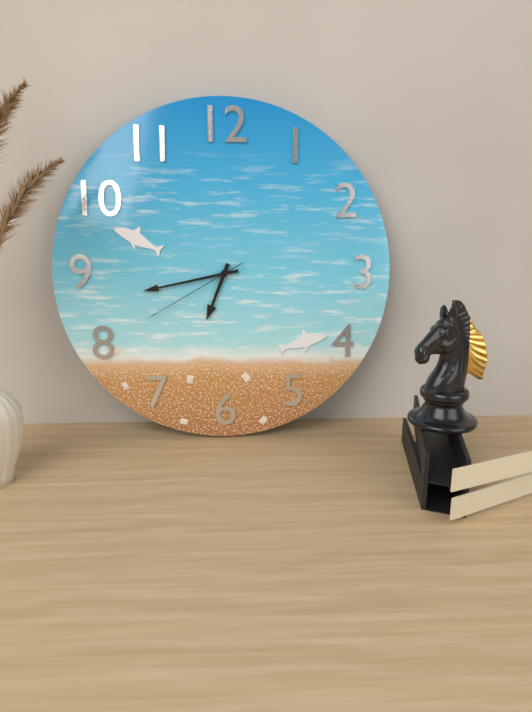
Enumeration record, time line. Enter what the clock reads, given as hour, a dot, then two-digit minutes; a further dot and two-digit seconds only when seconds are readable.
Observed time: 6.43.40
